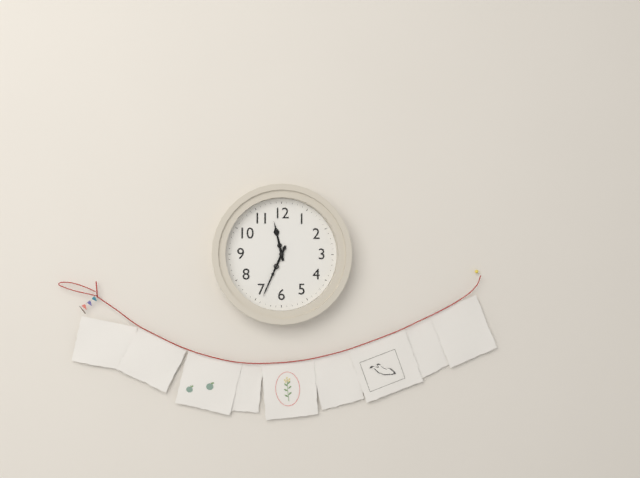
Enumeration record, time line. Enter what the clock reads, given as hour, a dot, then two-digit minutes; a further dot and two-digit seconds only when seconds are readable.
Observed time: 11.34
